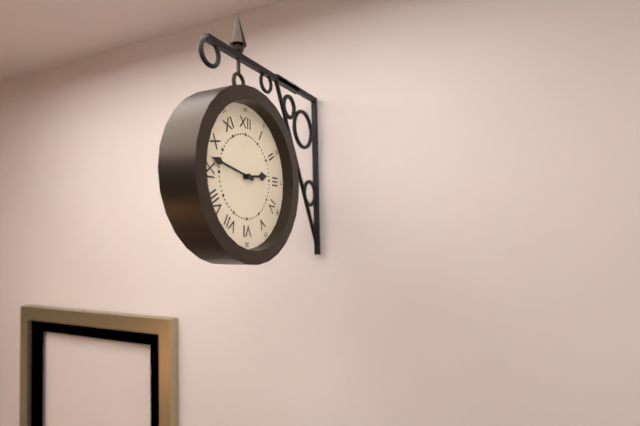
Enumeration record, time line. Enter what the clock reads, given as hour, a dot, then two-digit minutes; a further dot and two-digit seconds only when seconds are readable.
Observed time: 2.47
